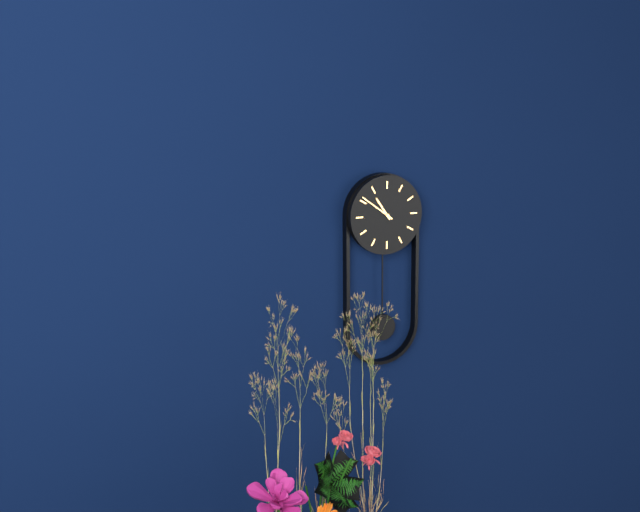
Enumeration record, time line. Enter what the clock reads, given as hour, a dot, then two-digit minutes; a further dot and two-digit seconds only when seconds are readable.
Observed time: 10.51
